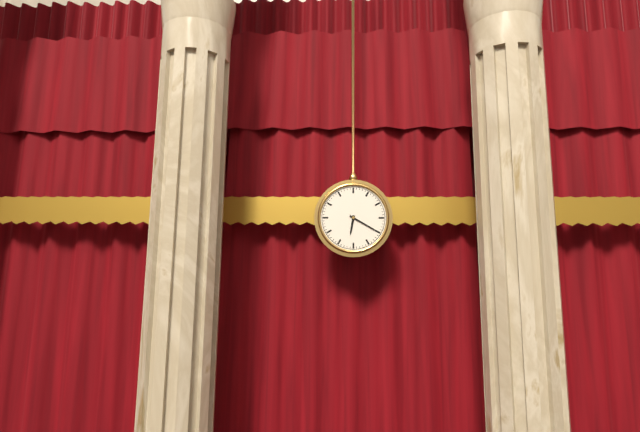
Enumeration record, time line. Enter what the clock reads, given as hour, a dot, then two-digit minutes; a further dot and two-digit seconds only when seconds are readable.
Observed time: 6.20
